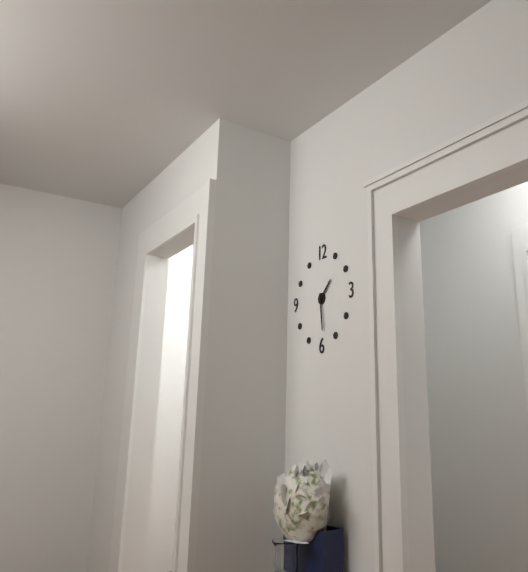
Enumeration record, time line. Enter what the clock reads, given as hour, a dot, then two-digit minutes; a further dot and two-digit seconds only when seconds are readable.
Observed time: 1.29
